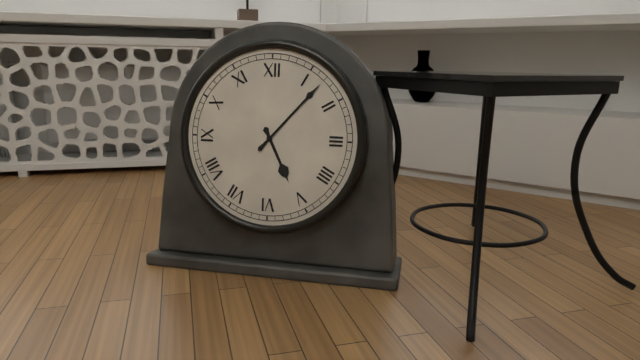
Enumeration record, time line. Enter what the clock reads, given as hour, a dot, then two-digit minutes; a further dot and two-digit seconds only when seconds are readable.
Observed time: 5.07
